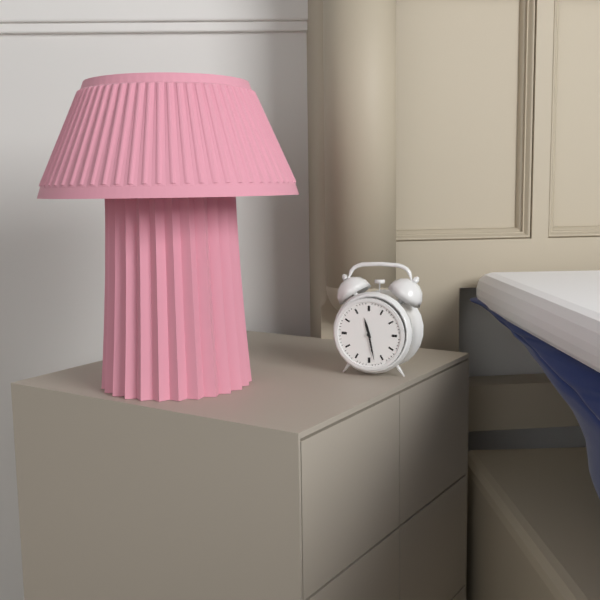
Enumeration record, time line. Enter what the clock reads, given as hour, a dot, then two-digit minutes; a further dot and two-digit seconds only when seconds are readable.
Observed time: 11.28
